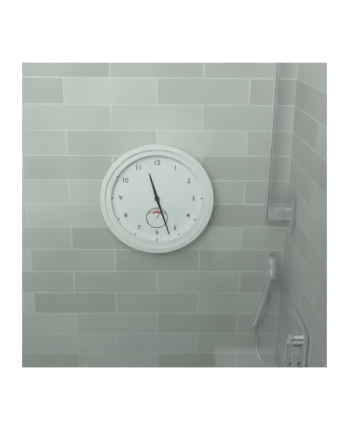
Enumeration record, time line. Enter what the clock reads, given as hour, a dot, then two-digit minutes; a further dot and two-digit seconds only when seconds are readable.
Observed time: 11.27
